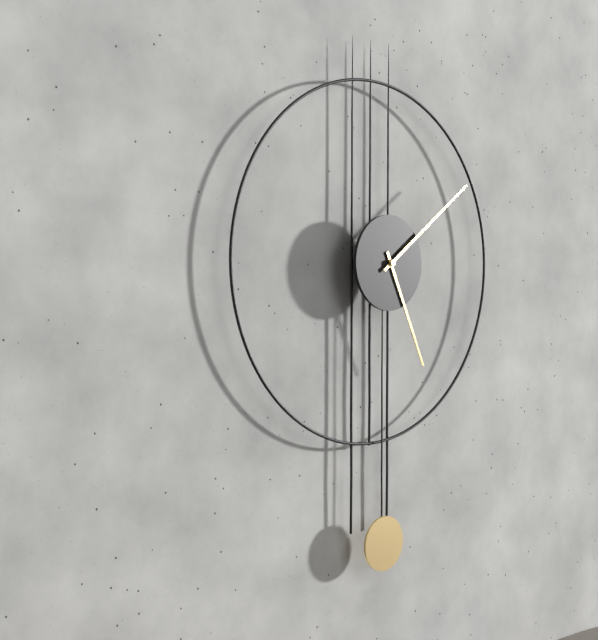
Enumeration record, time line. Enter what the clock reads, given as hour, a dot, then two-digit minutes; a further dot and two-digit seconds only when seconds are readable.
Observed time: 5.09
